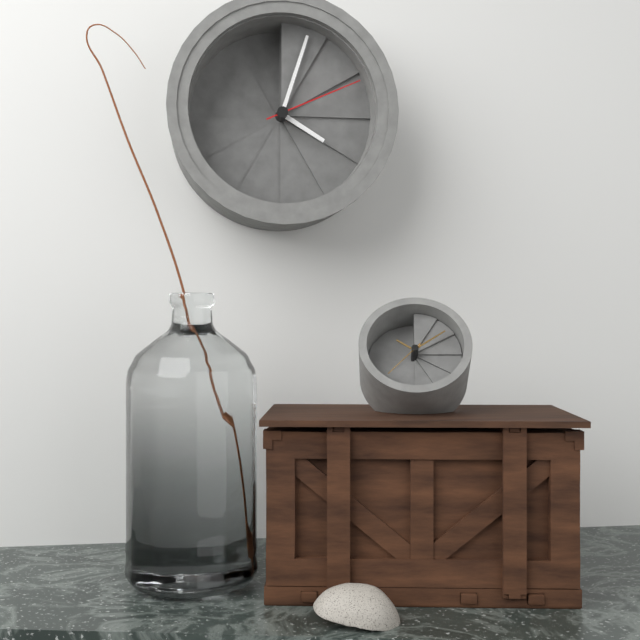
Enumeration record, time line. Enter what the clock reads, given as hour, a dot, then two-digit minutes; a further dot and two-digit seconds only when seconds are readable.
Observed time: 4.03.11
